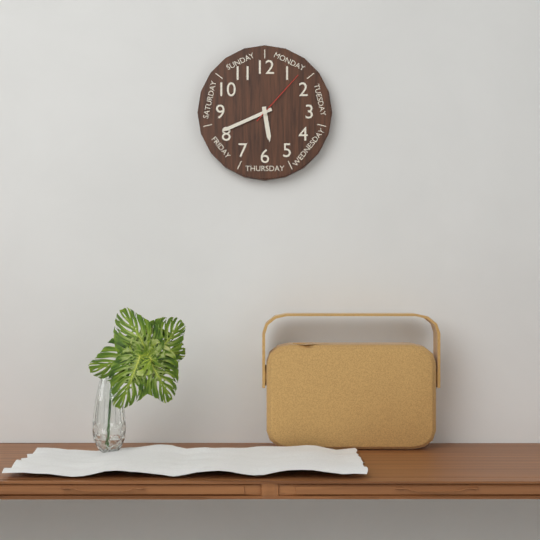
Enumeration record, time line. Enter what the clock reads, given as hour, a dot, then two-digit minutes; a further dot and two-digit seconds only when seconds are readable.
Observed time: 5.41.07
